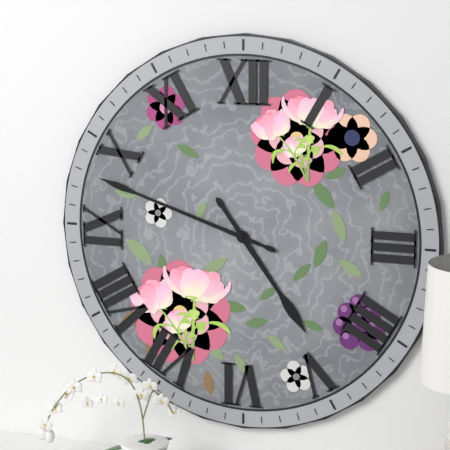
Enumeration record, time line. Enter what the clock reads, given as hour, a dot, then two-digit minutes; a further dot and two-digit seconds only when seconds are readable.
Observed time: 4.48
